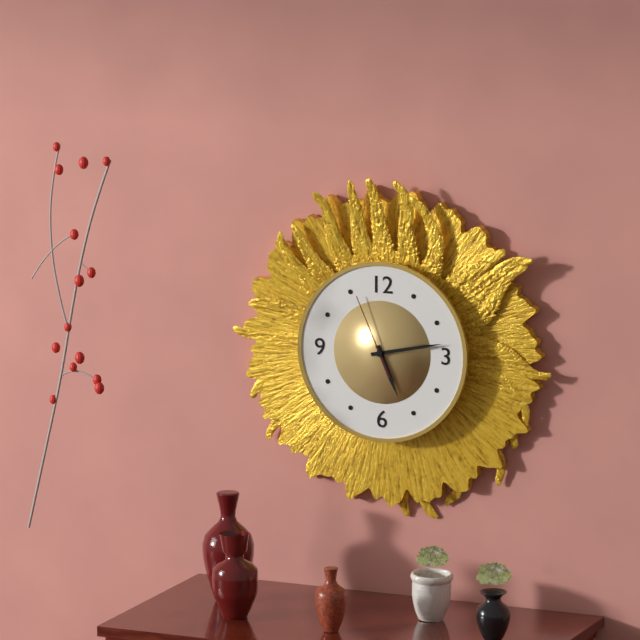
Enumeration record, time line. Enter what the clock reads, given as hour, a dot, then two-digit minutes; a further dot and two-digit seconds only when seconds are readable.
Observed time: 5.13.56
